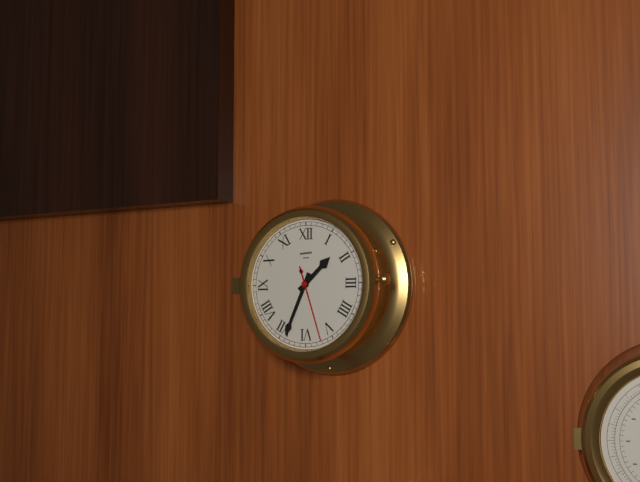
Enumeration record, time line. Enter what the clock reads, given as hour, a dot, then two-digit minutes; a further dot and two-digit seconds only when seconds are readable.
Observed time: 1.34.27
